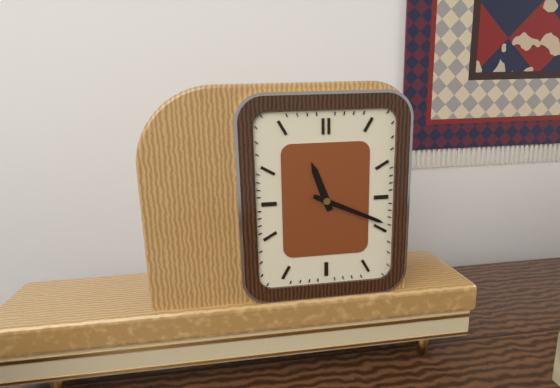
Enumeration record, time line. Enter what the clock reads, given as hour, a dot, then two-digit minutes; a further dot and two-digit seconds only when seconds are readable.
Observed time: 11.19
